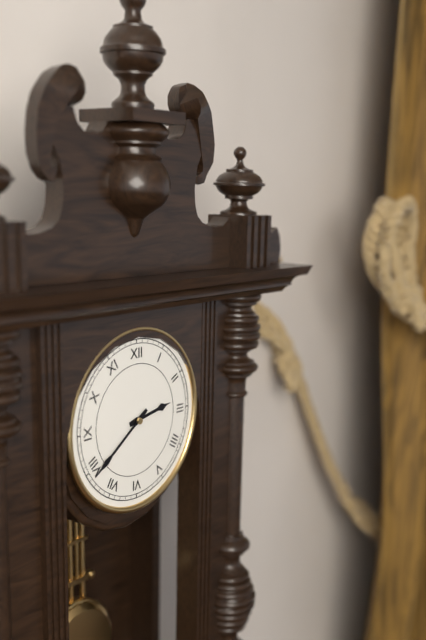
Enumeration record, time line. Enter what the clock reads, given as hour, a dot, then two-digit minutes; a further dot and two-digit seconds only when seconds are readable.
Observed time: 2.39
